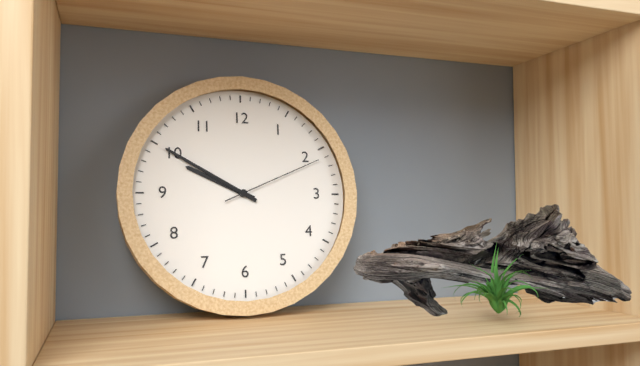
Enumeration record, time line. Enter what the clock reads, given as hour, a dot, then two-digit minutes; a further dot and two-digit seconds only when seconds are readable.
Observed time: 9.50.11
